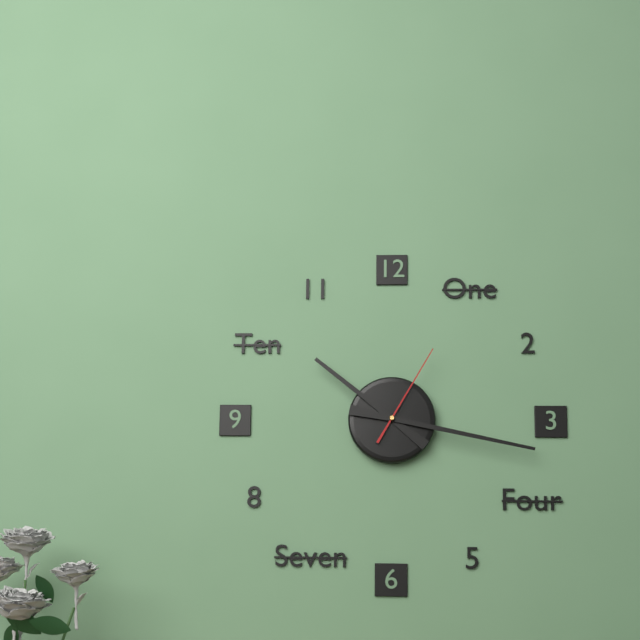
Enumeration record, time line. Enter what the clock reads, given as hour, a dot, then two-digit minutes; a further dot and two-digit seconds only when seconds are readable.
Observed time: 10.17.05
